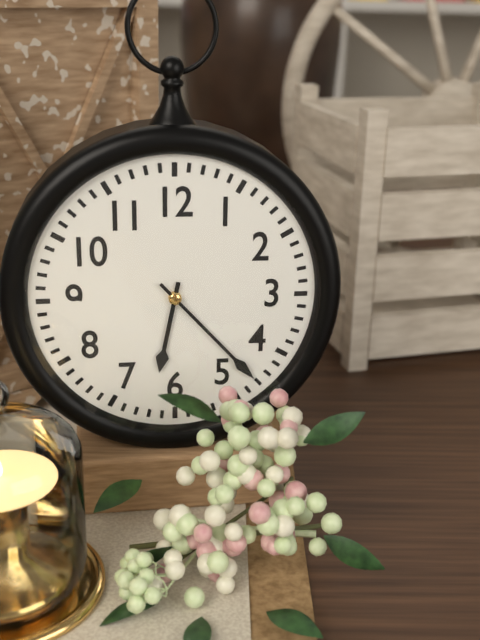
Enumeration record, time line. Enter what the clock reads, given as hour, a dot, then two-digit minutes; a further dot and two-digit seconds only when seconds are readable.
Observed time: 6.23
